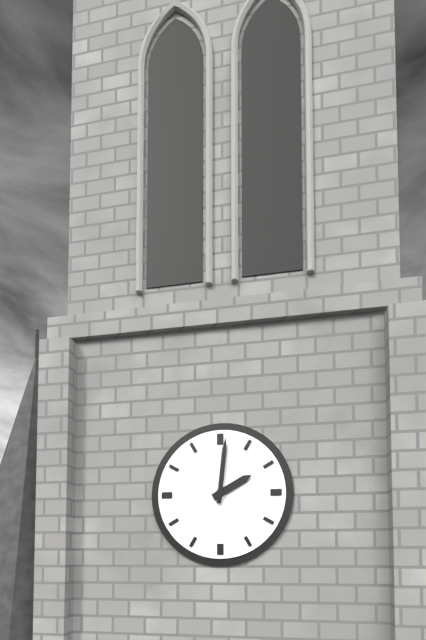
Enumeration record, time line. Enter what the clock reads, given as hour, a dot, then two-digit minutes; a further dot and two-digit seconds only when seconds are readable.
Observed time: 2.01
